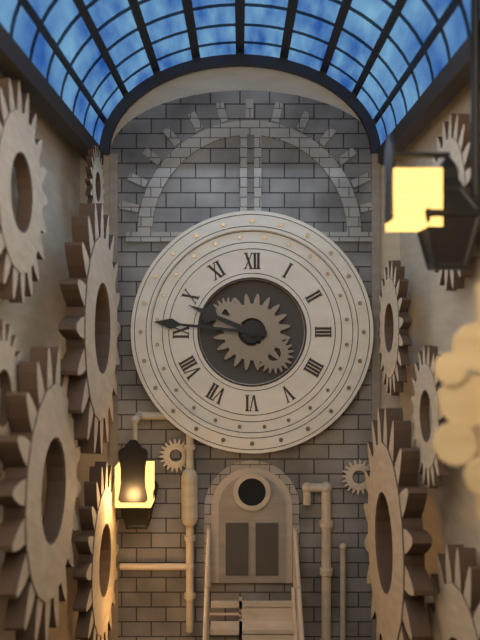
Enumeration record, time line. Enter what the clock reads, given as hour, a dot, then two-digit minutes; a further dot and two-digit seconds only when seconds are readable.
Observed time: 9.46
